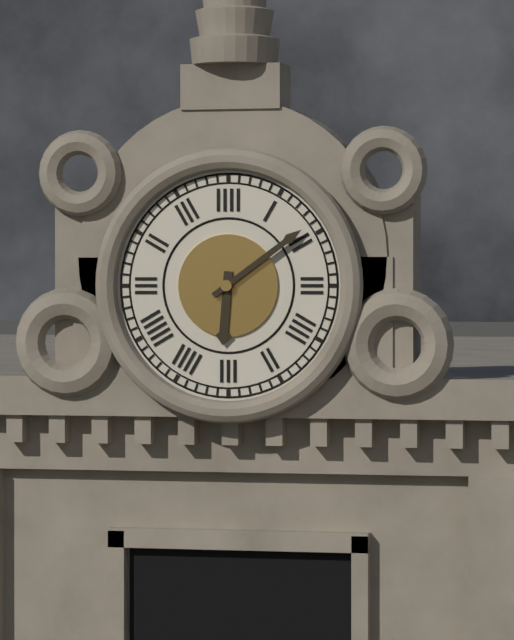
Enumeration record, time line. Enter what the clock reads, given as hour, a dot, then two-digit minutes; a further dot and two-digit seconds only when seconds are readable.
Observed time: 6.09
